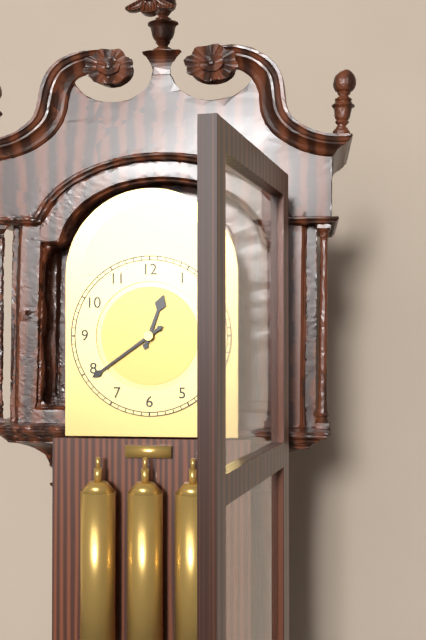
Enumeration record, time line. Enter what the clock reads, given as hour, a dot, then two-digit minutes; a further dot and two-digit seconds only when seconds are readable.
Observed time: 12.39
